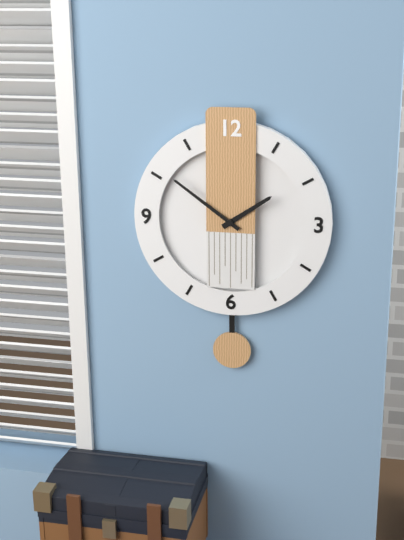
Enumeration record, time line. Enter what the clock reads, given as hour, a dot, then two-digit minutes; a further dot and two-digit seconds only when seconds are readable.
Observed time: 1.51
